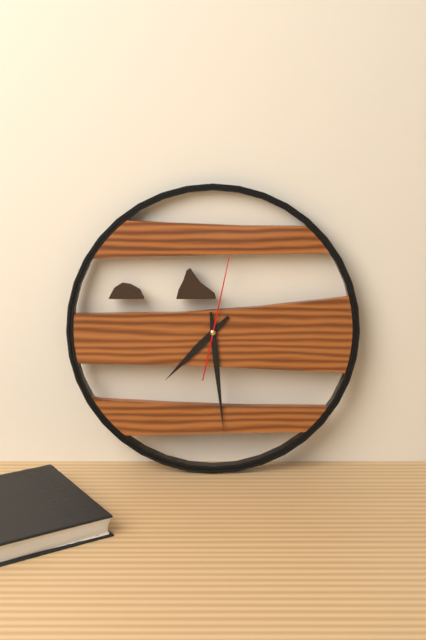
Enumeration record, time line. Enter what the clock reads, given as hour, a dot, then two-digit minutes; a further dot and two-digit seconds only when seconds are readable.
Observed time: 7.29.02
